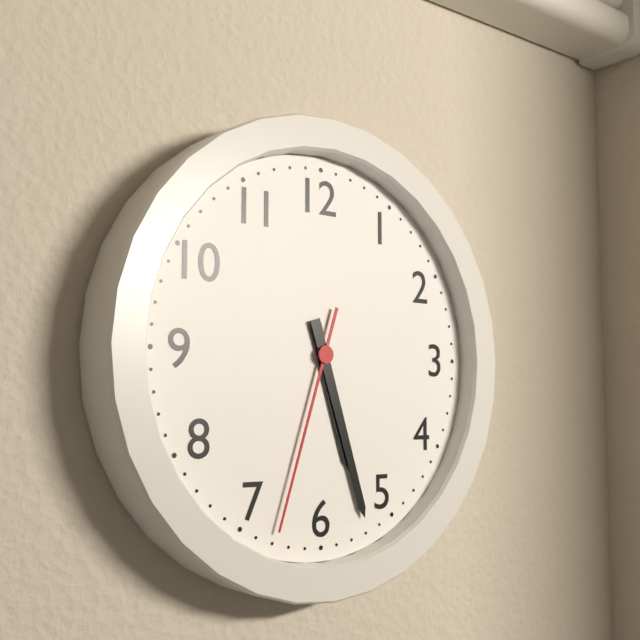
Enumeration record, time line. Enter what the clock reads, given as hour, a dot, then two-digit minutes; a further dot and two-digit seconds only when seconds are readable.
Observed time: 5.27.33
